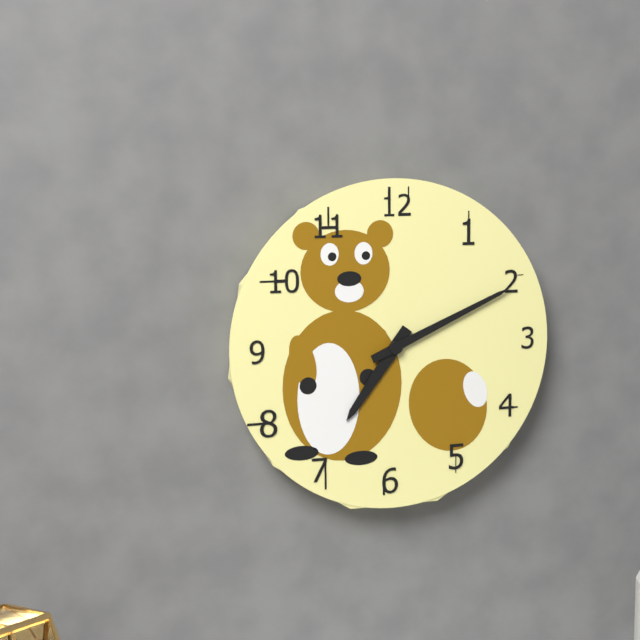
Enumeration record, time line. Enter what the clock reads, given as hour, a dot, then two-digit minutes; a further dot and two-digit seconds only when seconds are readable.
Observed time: 7.11
